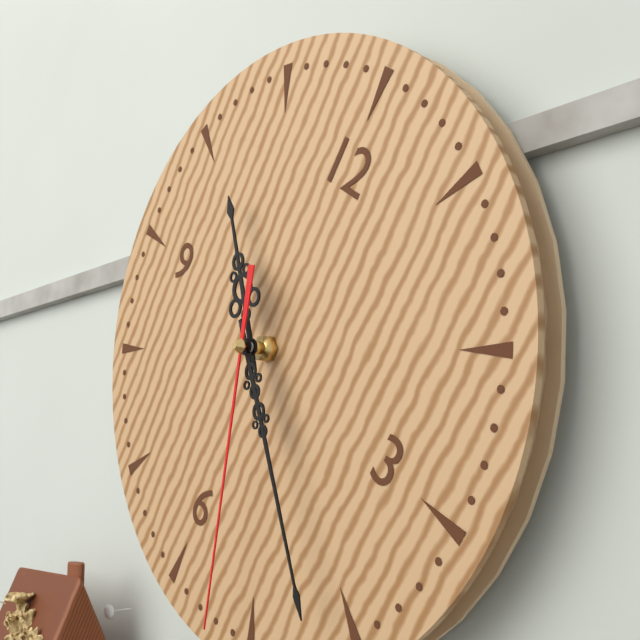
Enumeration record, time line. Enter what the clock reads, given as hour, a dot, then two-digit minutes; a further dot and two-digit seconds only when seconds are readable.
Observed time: 10.21.26
